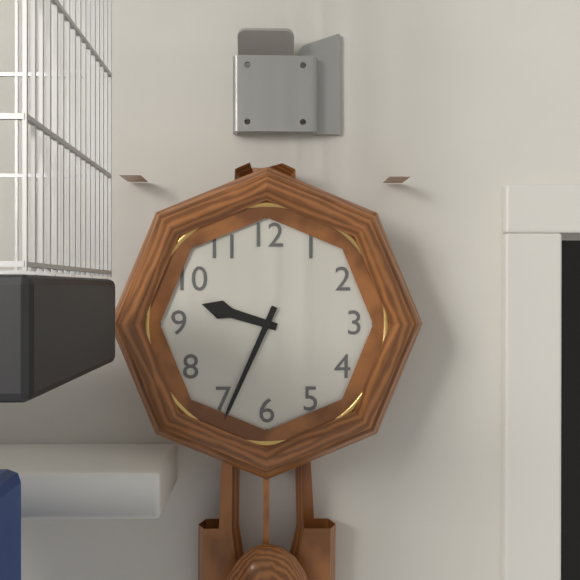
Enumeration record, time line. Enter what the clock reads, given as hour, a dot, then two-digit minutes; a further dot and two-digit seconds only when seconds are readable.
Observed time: 9.34
